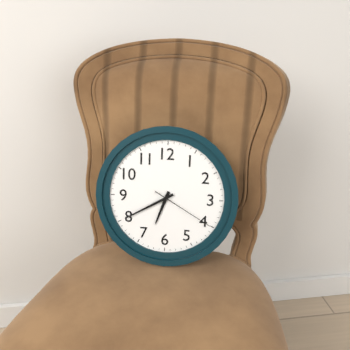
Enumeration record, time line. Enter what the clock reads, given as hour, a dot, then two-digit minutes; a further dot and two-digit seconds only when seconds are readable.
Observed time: 6.40.20
